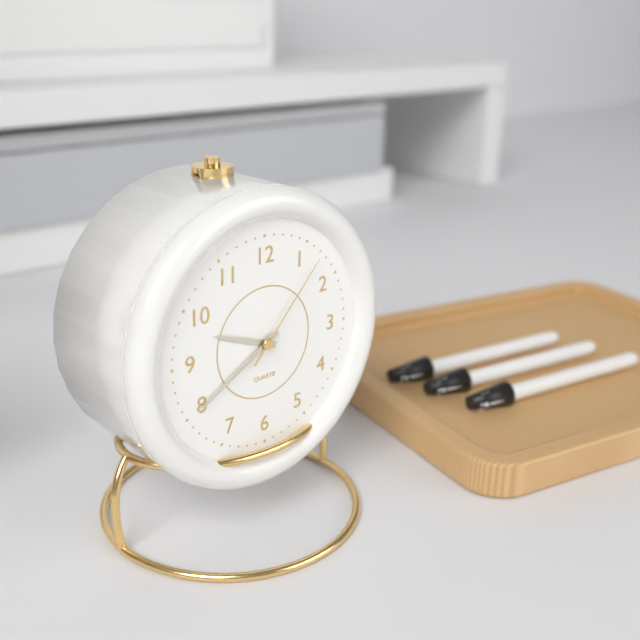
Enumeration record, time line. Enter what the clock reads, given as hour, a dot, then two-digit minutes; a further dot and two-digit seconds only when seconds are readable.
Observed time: 9.40.07
